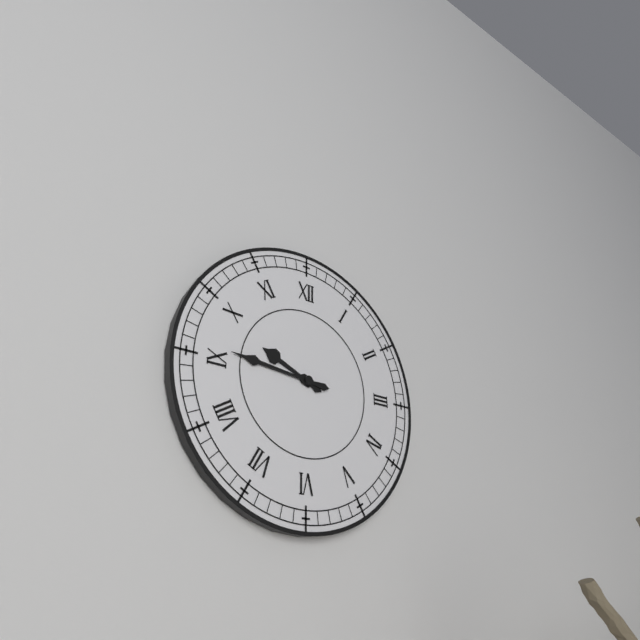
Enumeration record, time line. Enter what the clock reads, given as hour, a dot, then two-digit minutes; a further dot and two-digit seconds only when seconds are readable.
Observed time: 9.46
